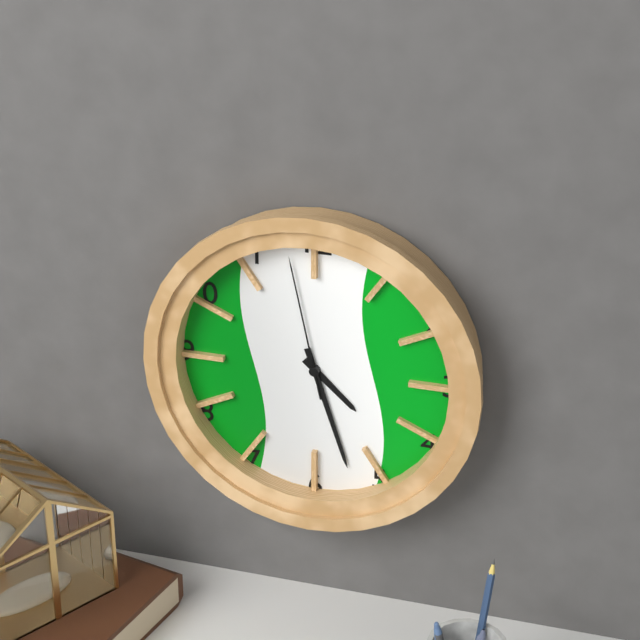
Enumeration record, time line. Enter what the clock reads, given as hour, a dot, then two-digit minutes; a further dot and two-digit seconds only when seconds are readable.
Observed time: 4.27.58
